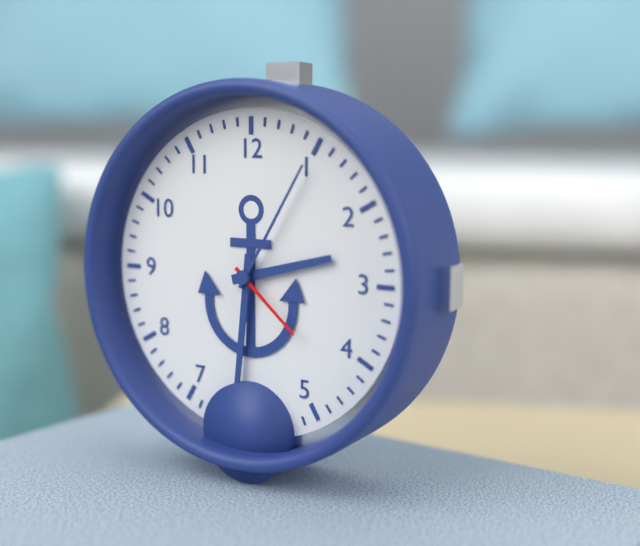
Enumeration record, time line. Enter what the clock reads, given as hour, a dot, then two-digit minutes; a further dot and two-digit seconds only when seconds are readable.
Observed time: 2.31.22
